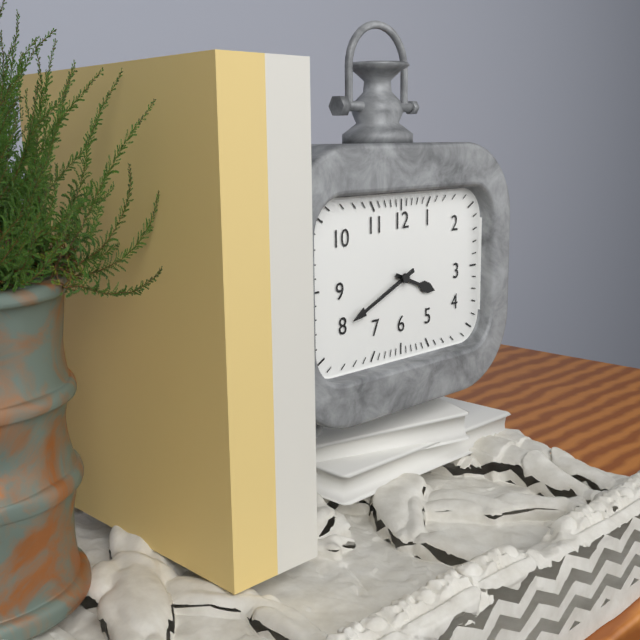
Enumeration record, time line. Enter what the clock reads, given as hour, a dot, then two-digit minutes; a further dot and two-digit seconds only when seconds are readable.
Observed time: 3.41
